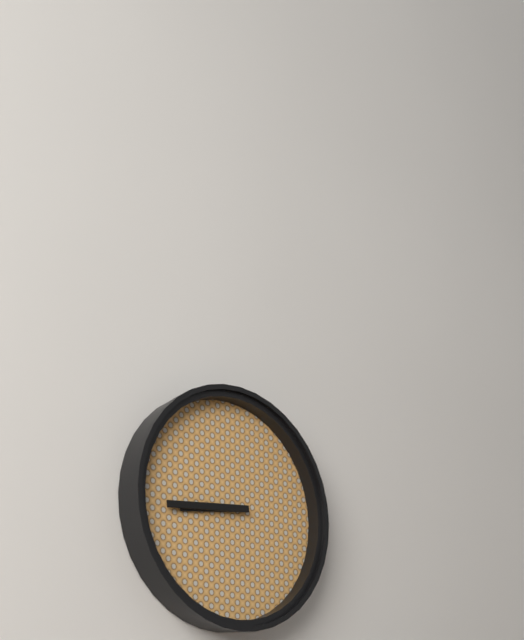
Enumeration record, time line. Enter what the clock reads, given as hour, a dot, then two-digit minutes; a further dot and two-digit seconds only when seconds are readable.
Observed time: 8.44
